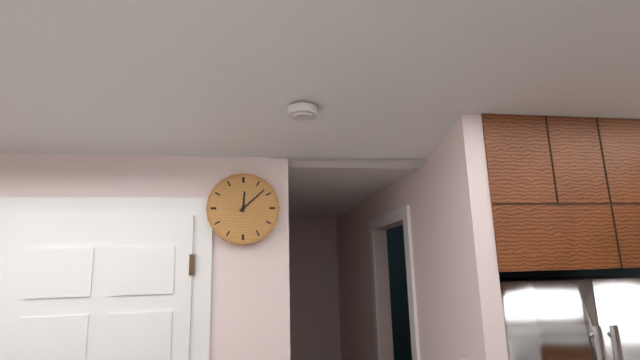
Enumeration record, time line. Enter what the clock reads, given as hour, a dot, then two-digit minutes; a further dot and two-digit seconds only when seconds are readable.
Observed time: 12.08
